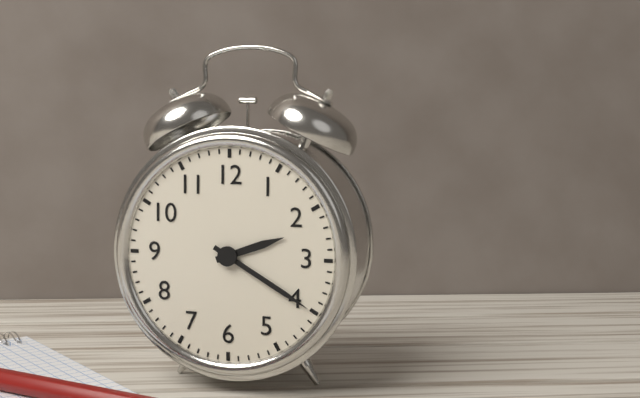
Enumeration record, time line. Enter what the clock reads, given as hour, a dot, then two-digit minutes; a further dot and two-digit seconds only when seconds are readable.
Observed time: 2.20
